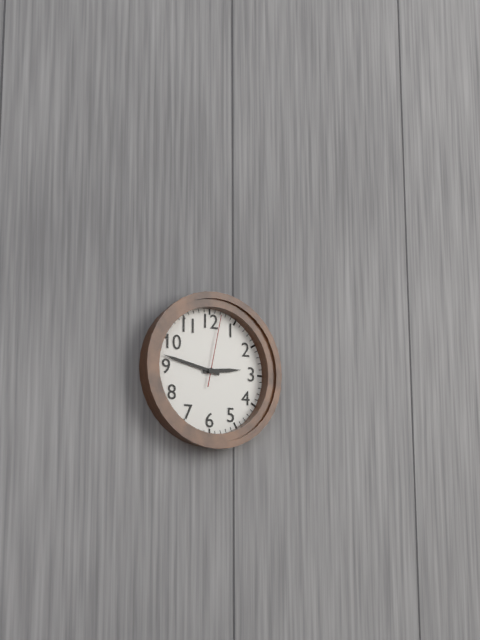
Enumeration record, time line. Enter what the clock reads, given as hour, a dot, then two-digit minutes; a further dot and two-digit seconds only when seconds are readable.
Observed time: 2.47.02
